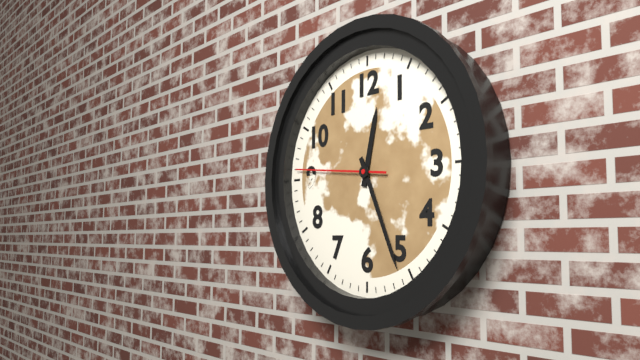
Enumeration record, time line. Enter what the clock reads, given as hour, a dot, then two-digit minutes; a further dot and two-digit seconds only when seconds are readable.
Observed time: 12.26.46
